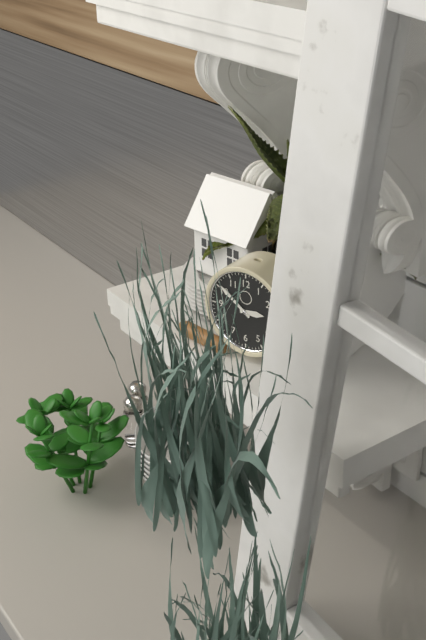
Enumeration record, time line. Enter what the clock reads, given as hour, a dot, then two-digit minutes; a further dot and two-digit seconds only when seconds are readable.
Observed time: 2.51
